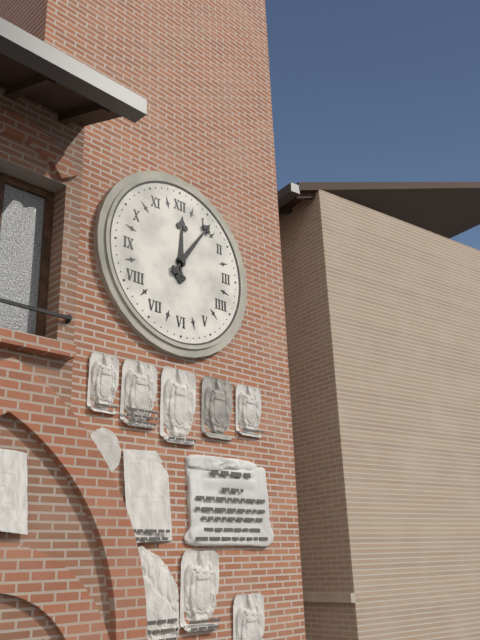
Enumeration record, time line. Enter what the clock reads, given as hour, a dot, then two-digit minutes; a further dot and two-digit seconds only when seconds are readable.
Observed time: 12.06
